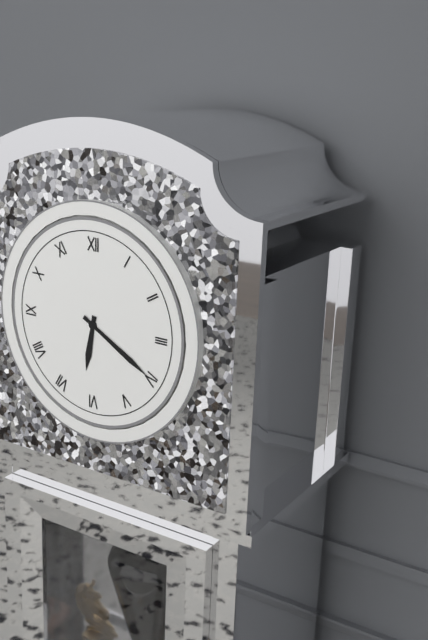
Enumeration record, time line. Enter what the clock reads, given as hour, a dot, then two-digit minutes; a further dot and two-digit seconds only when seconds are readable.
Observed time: 6.20
